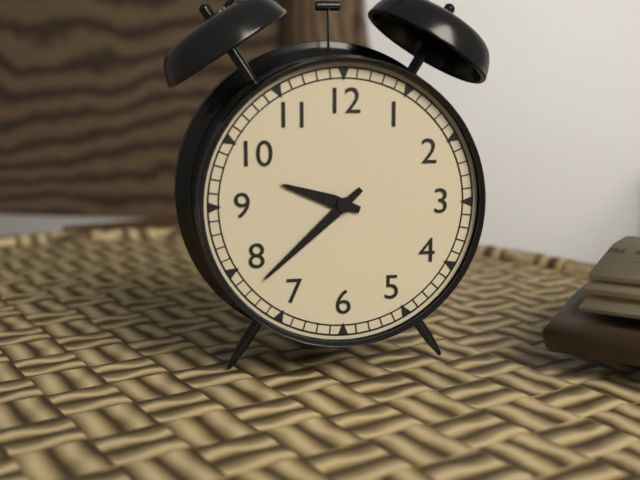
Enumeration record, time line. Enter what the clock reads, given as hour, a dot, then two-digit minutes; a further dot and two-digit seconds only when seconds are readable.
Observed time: 9.38
